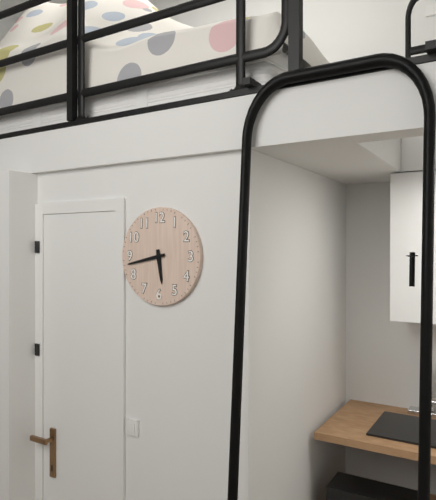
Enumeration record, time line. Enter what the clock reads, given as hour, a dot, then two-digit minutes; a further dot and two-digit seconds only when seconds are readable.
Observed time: 5.43
